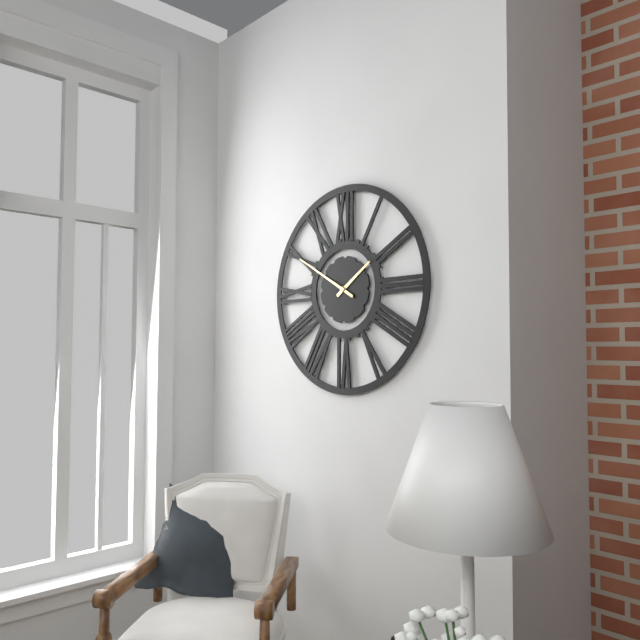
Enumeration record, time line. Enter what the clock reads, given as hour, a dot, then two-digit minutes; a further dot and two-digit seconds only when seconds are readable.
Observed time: 1.50
